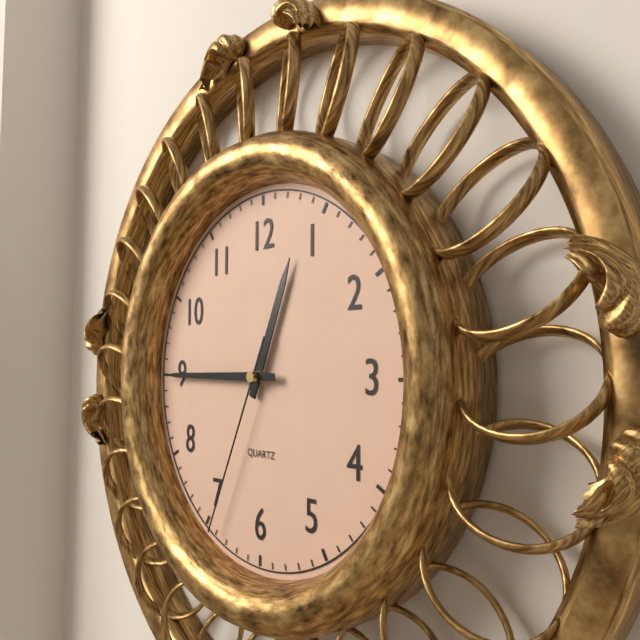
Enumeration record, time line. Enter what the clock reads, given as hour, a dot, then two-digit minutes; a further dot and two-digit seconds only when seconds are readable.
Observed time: 12.45.34
